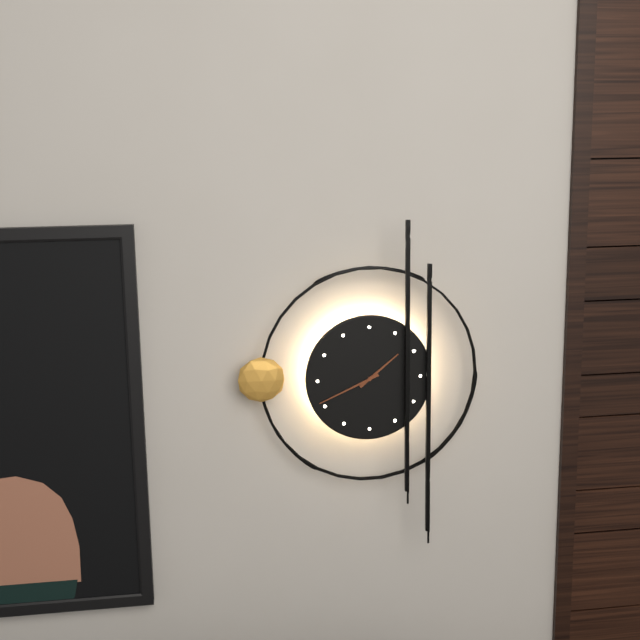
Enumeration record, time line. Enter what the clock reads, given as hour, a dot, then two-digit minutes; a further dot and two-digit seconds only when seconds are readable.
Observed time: 1.41
